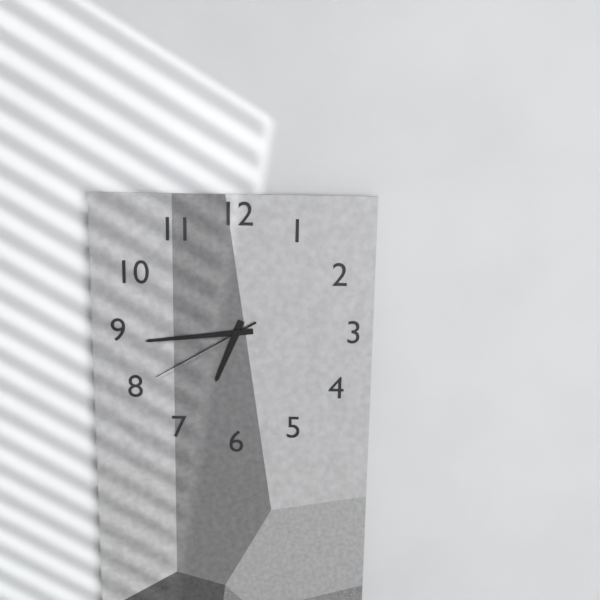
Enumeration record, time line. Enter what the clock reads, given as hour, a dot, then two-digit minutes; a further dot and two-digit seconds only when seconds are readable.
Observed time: 6.44.40
